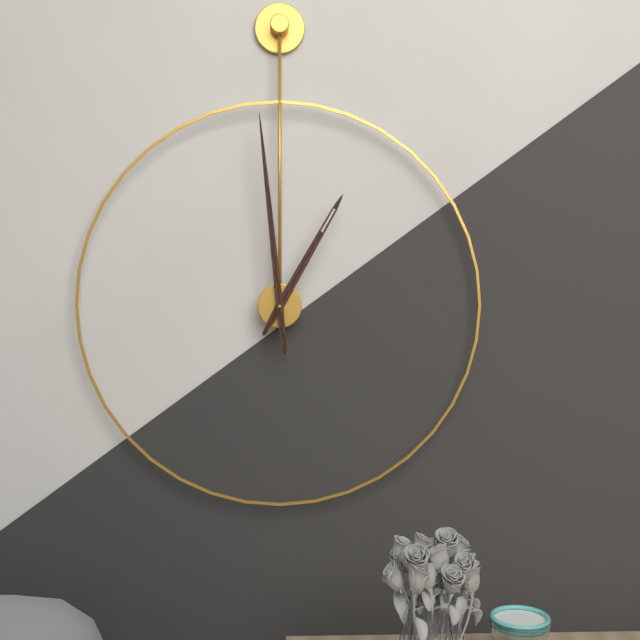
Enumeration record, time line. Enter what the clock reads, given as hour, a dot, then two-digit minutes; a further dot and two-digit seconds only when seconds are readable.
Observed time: 12.59
